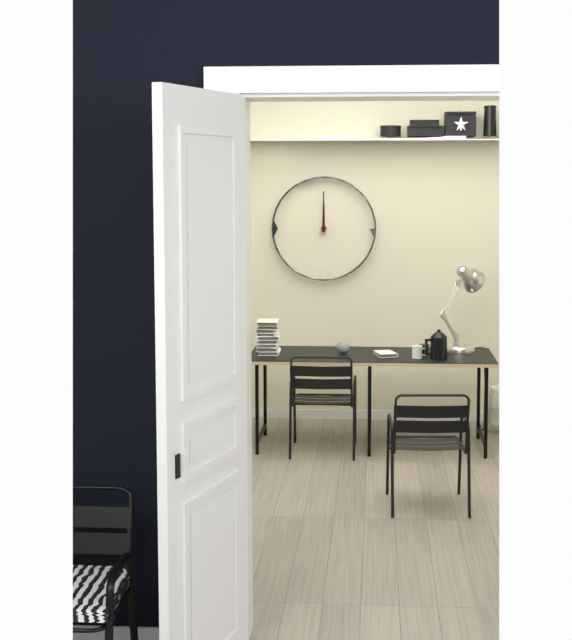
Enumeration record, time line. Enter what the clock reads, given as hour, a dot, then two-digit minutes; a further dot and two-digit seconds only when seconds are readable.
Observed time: 12.00
